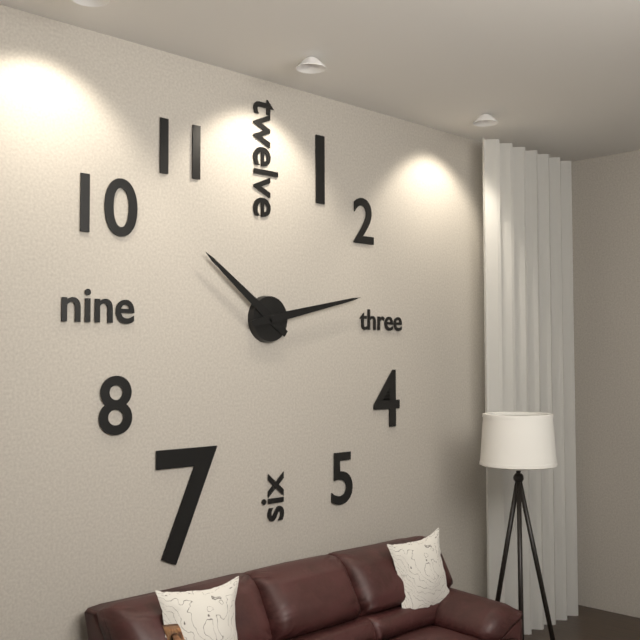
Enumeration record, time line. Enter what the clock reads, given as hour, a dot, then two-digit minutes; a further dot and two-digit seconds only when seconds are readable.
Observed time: 10.13
